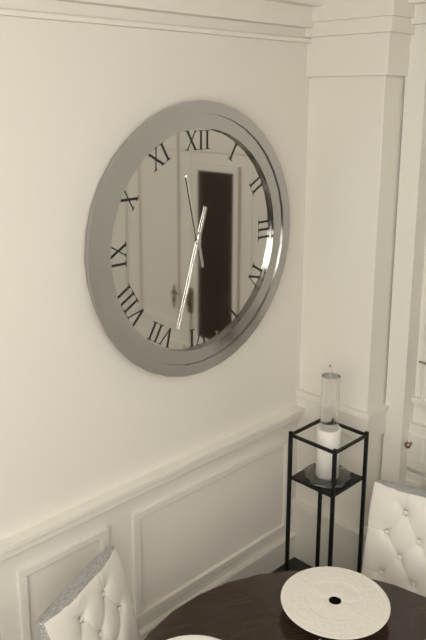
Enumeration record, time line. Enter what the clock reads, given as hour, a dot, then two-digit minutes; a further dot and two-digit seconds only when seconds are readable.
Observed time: 11.33
